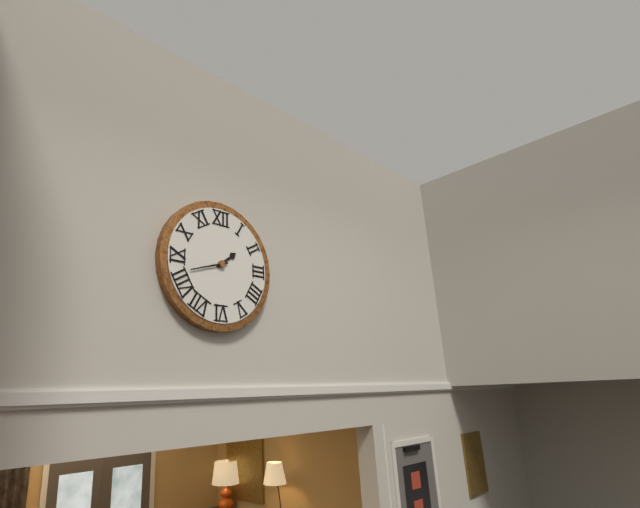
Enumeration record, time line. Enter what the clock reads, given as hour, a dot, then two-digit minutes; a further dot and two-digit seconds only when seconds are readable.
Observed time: 1.42
